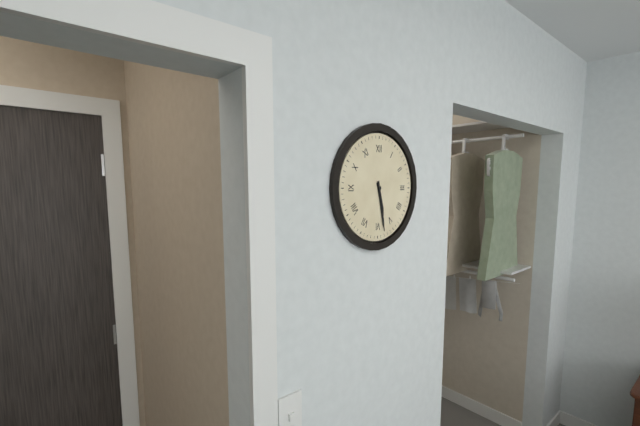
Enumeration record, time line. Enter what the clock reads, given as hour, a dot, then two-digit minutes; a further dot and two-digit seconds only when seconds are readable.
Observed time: 5.28
